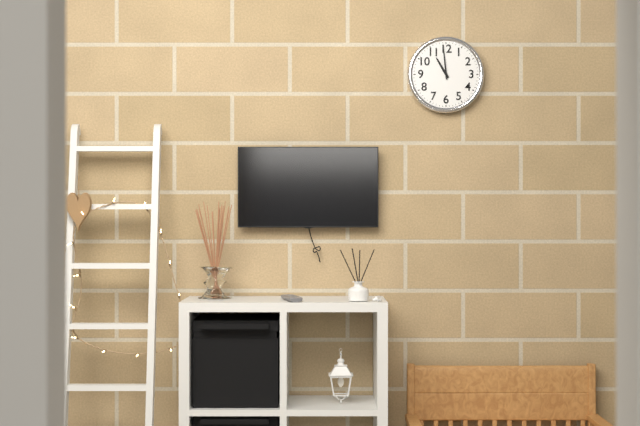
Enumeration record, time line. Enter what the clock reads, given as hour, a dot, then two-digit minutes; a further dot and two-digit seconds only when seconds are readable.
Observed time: 10.59
